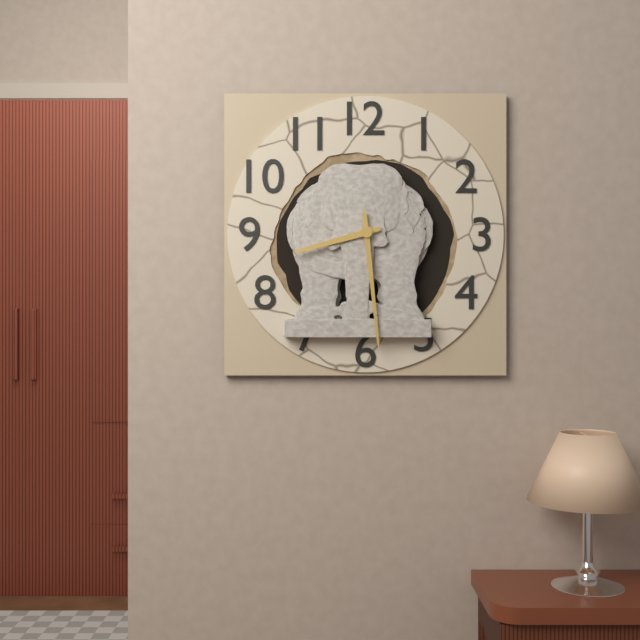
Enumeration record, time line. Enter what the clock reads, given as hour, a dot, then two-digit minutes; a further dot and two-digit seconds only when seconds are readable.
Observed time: 8.29
